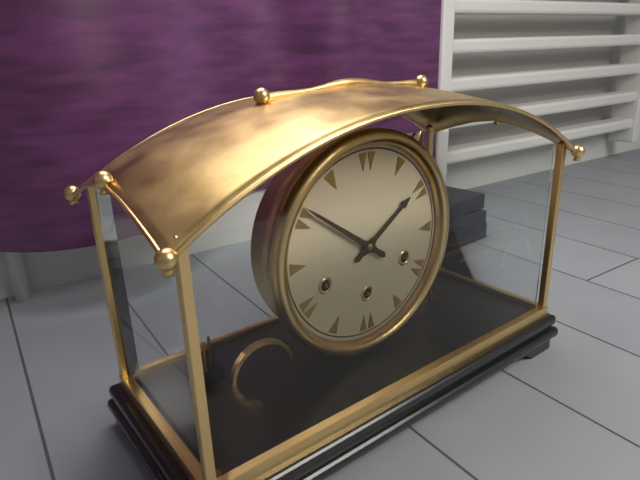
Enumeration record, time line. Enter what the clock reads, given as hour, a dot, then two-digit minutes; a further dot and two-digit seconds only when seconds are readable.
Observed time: 1.51
